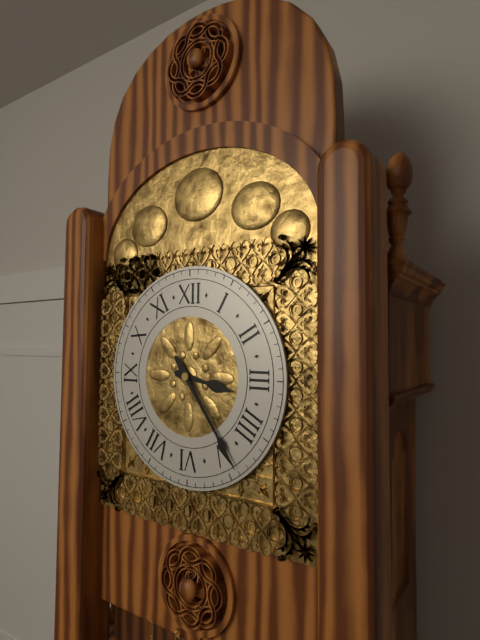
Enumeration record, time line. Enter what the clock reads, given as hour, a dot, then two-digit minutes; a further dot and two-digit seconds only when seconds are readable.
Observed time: 3.24
